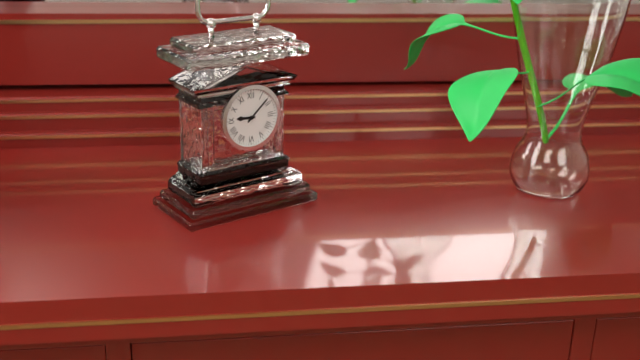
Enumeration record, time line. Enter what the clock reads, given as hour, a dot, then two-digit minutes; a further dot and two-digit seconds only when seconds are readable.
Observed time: 9.08
